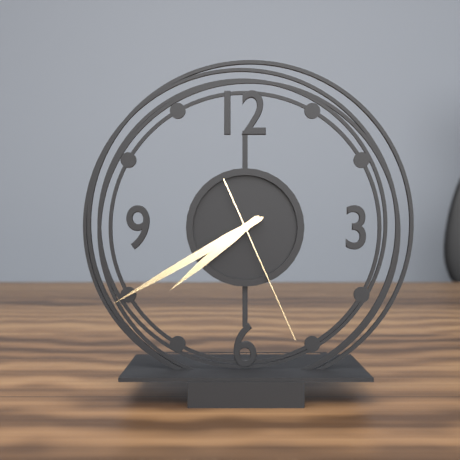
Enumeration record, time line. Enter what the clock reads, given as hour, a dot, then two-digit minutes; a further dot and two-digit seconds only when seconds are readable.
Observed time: 7.40.26
